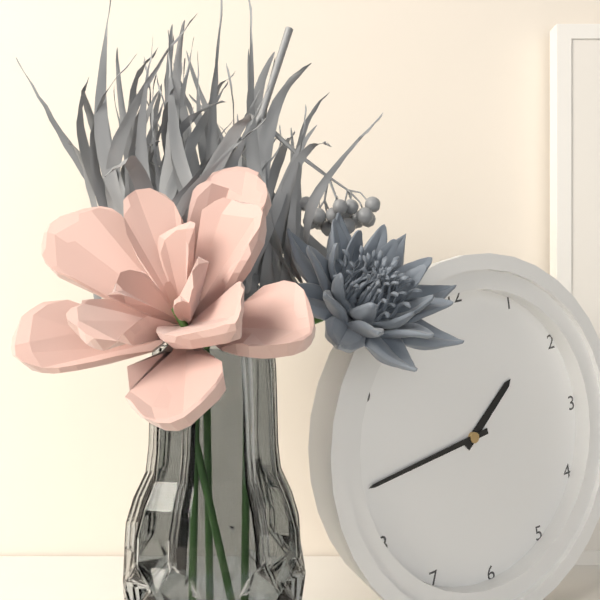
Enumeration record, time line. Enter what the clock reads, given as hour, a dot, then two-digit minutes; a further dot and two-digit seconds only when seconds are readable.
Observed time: 1.44
